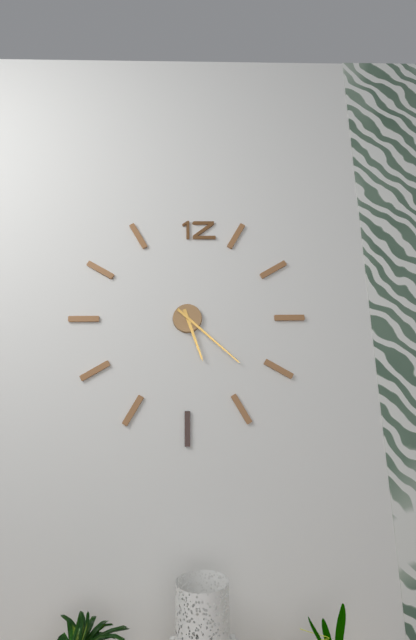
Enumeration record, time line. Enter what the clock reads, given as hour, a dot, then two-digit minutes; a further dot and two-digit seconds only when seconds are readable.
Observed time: 5.22
